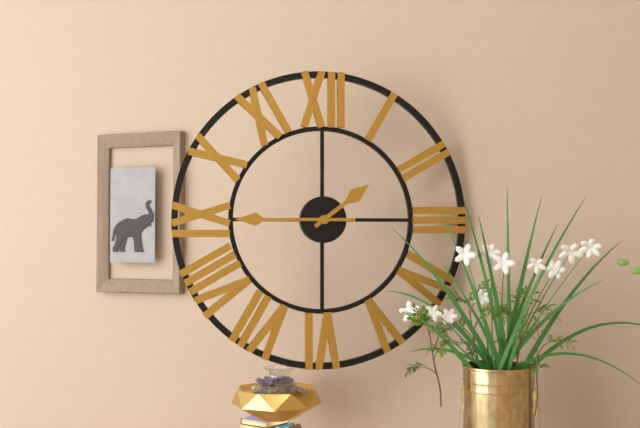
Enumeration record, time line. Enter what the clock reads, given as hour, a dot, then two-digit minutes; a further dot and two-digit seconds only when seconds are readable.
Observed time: 1.45
